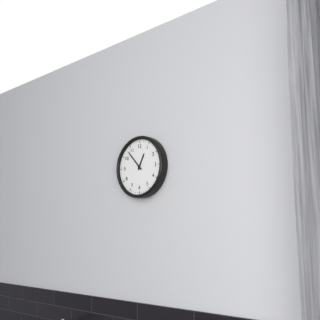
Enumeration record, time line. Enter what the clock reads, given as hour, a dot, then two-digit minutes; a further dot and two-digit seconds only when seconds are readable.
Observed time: 12.53
